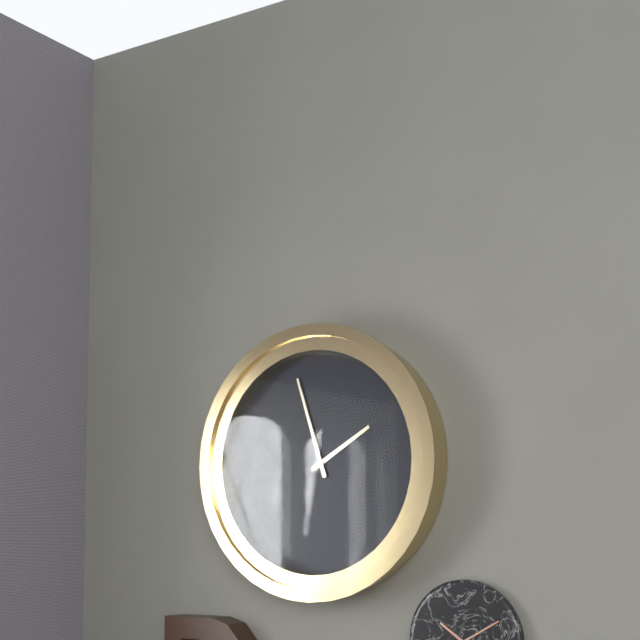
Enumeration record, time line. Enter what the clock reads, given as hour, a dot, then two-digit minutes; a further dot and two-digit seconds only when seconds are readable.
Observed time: 1.57
